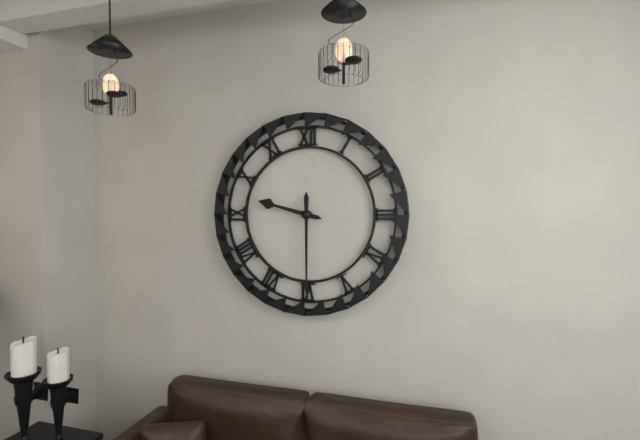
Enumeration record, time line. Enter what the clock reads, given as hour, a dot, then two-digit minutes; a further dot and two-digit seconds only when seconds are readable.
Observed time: 9.30
